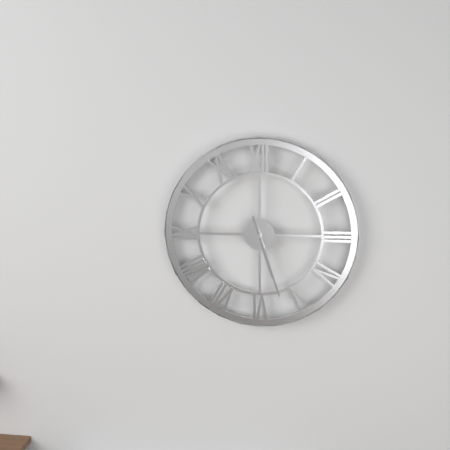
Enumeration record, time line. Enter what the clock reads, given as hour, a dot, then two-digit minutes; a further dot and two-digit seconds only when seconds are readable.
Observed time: 5.27
